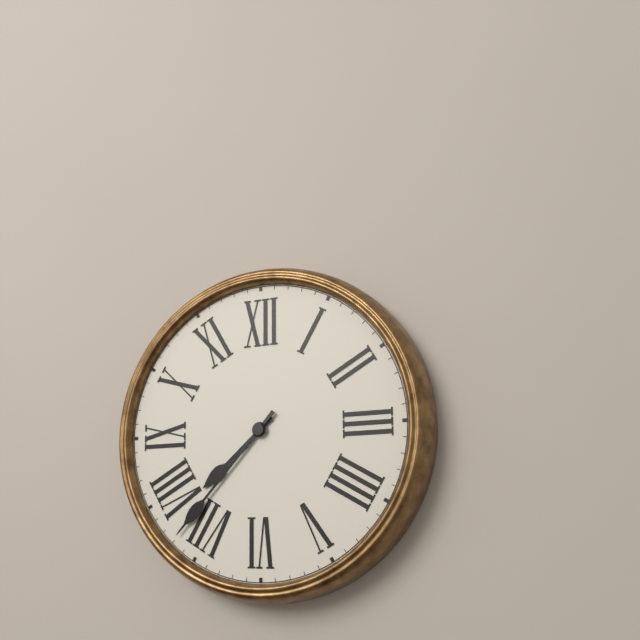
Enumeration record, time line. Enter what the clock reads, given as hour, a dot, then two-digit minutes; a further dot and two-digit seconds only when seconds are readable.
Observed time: 7.37
